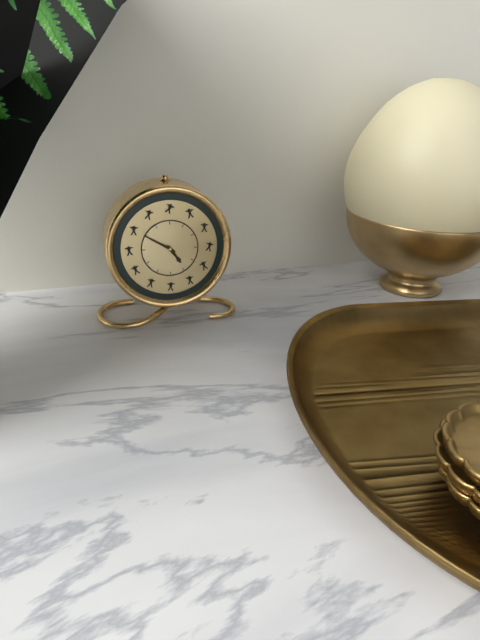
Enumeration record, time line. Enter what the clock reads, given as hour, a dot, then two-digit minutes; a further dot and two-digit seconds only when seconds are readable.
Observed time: 4.50
